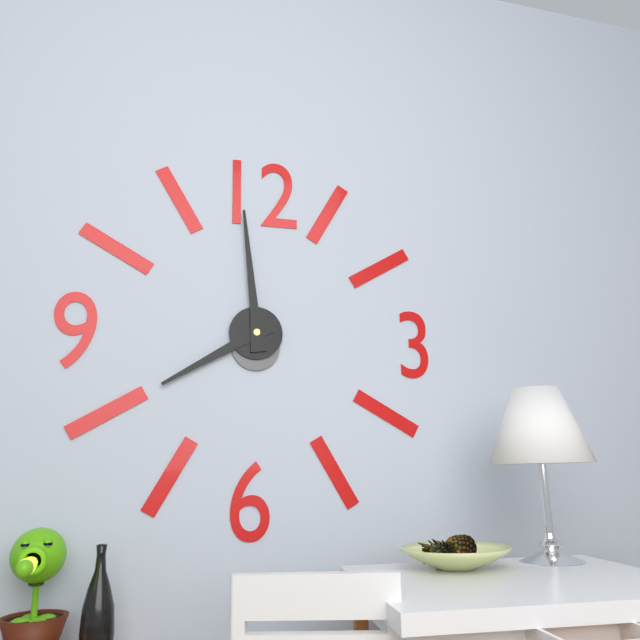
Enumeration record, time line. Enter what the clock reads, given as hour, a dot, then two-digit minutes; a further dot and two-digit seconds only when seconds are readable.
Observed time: 7.59
